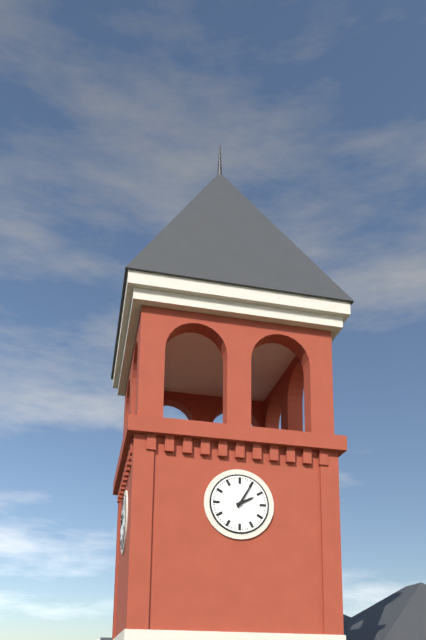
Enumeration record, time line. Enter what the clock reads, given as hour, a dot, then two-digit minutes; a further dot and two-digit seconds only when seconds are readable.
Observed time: 2.05
